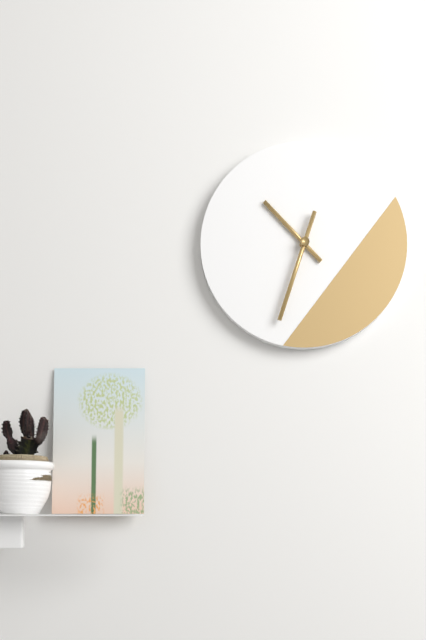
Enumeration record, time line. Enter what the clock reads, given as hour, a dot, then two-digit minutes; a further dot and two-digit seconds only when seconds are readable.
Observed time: 10.33
